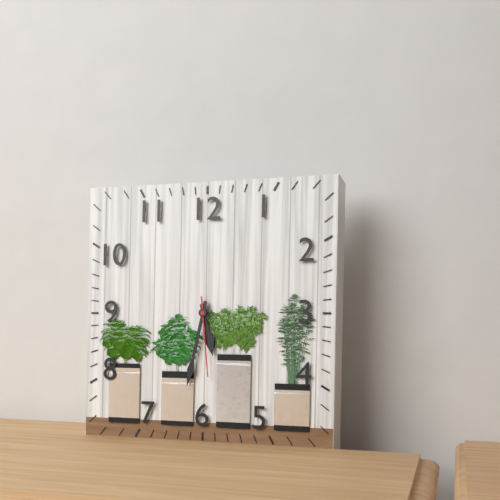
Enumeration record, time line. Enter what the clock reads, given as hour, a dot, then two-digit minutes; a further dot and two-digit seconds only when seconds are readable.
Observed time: 5.32.29
